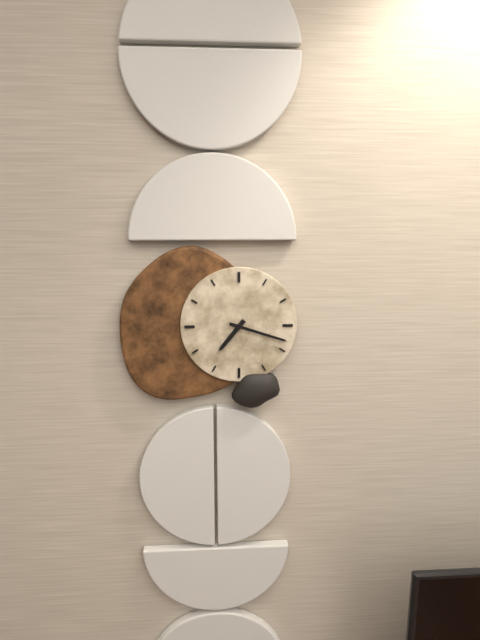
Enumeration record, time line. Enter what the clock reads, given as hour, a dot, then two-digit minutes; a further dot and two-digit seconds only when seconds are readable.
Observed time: 7.18
